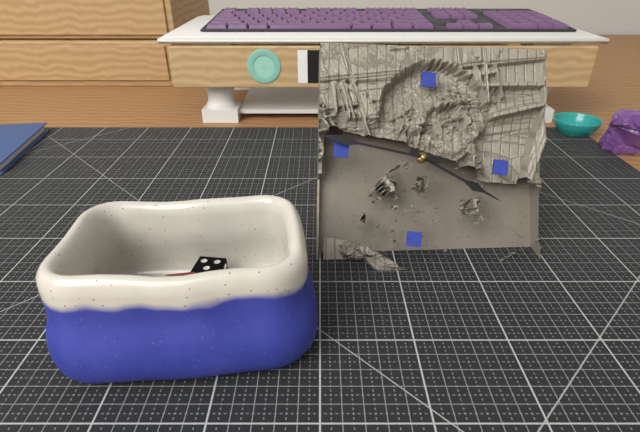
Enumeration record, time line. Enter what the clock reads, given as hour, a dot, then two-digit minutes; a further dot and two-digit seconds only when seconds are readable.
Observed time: 3.46
